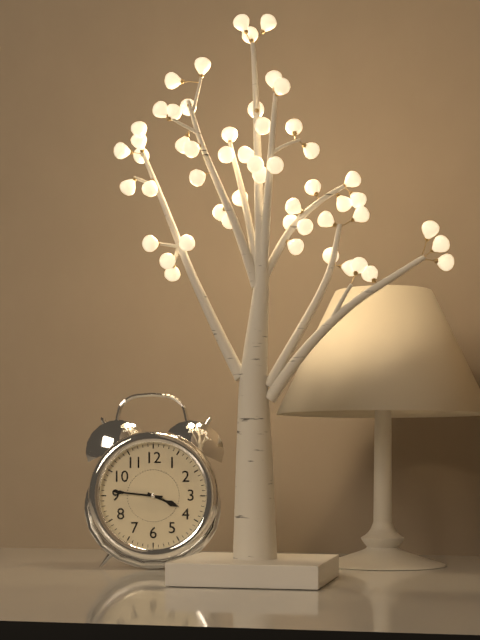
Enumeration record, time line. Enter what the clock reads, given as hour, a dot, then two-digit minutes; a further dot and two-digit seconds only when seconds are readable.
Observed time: 3.46
